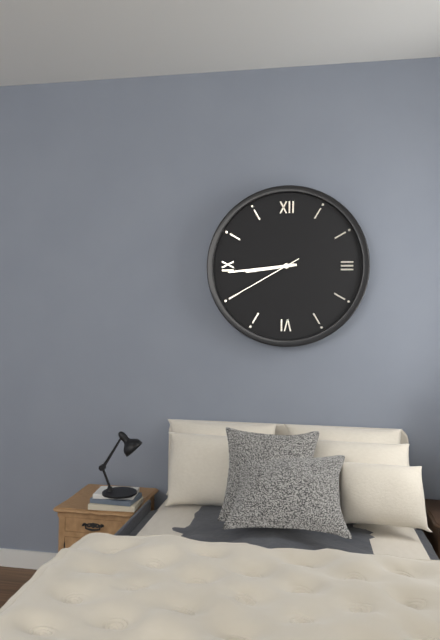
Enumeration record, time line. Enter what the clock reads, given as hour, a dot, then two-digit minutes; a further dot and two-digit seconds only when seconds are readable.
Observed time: 8.44.40
